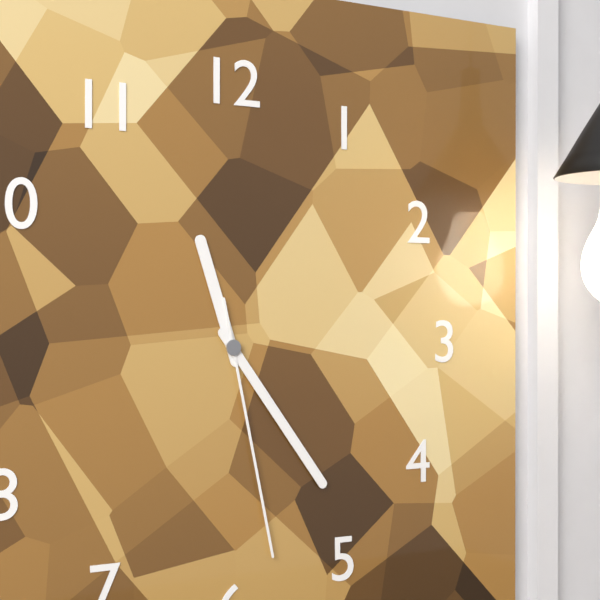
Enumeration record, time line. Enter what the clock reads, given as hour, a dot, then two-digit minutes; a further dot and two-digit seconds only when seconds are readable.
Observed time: 11.24.28
